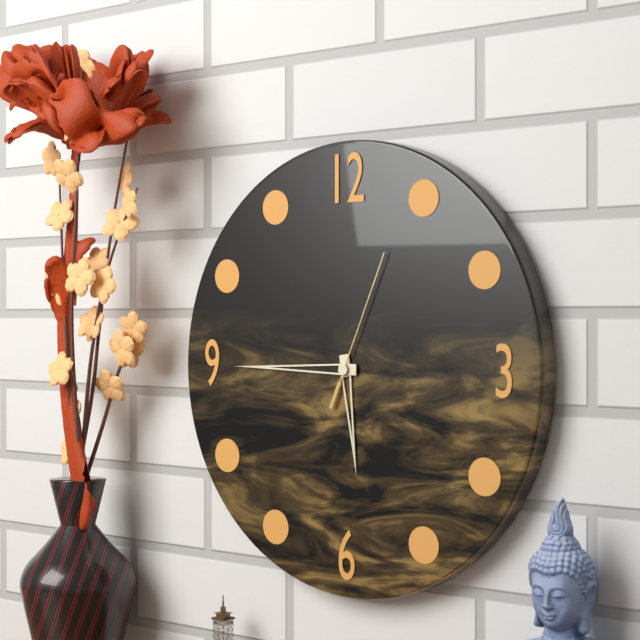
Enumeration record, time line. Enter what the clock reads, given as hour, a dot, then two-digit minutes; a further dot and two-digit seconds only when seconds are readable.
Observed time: 5.45.04
